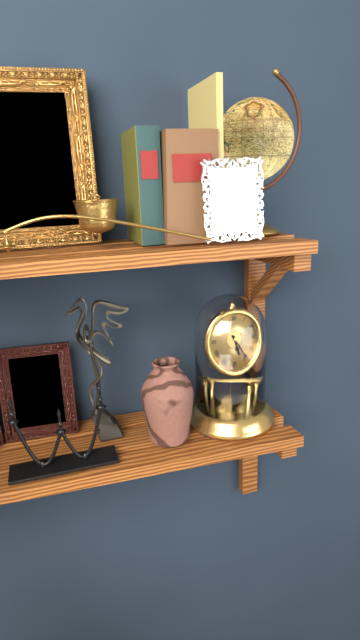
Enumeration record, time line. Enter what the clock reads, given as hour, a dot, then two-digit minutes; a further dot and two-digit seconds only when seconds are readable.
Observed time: 5.24
